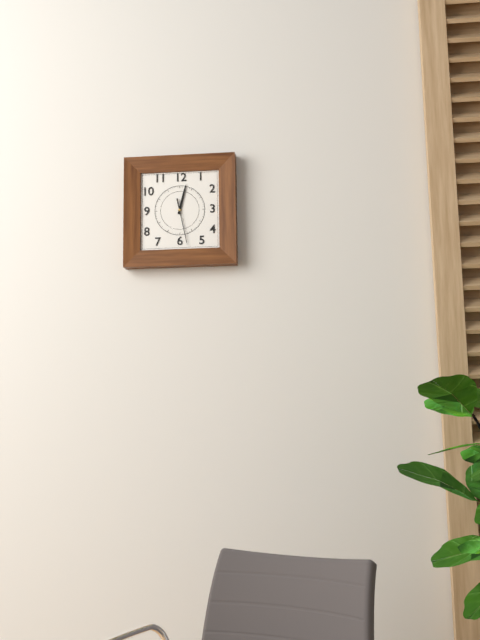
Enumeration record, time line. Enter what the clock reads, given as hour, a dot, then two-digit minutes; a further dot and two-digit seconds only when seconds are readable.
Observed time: 12.28
